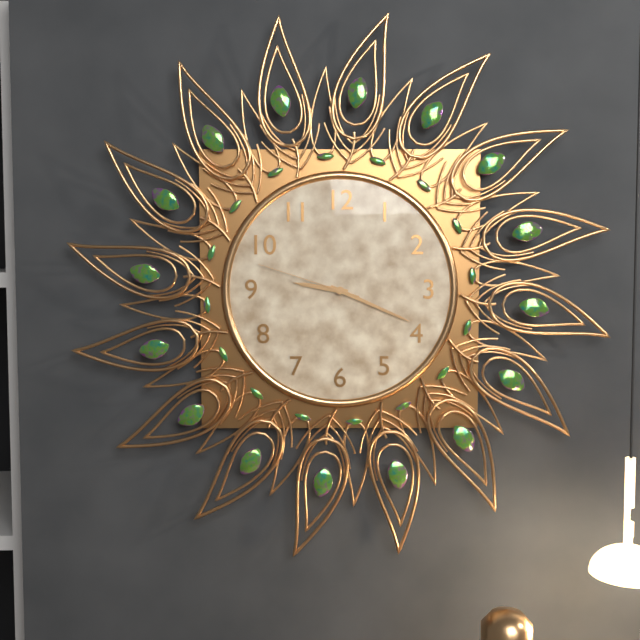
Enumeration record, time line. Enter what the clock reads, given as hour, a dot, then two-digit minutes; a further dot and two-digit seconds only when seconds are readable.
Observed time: 9.19.48
